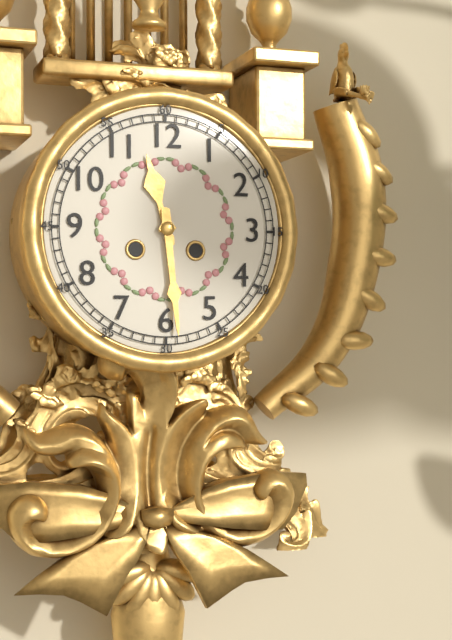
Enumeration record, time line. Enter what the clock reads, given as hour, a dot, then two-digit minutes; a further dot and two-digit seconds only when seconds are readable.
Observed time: 11.29
